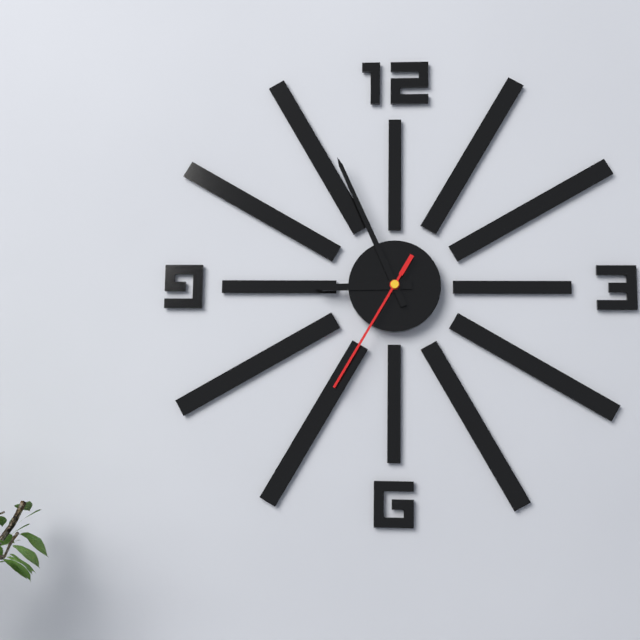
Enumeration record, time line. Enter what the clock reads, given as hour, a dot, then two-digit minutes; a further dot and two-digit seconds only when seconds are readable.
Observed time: 8.56.35
